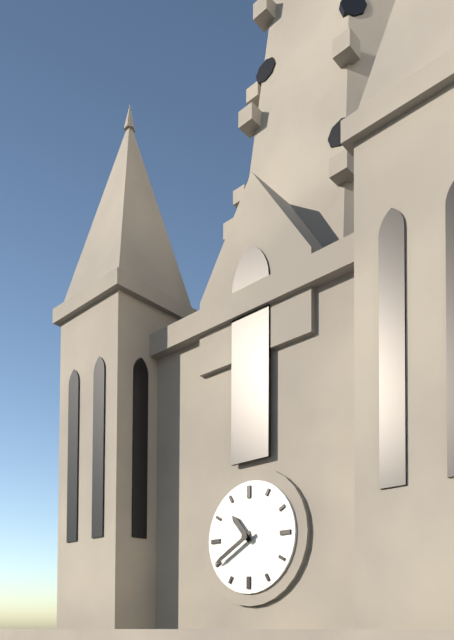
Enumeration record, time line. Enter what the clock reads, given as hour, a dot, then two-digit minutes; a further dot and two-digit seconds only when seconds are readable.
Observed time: 10.40
